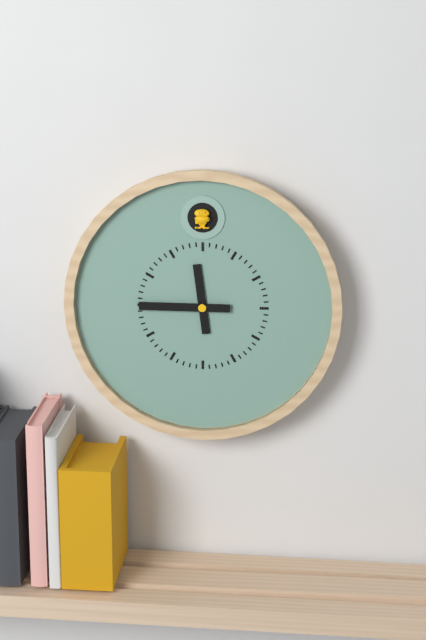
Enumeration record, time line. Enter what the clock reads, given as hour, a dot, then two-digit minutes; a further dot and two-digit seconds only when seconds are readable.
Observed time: 11.45
